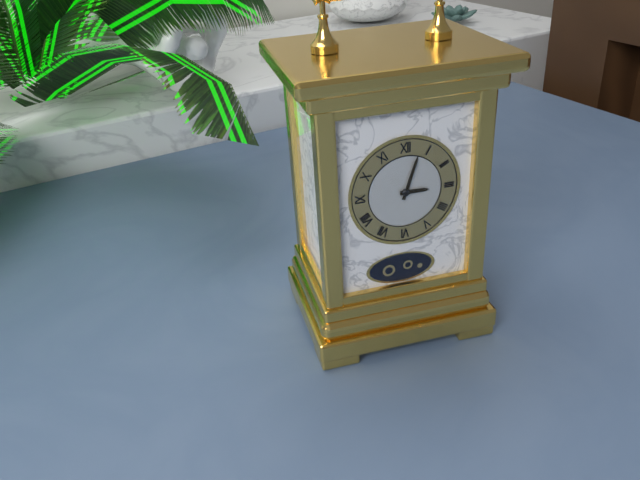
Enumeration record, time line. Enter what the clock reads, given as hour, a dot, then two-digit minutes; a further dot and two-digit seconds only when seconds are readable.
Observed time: 3.03
